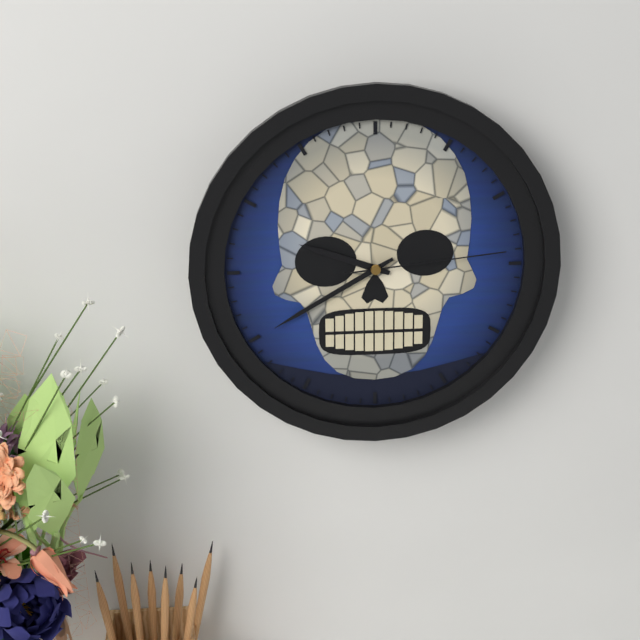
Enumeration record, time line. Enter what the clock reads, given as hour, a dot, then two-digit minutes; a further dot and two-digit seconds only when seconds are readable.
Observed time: 9.40.14
